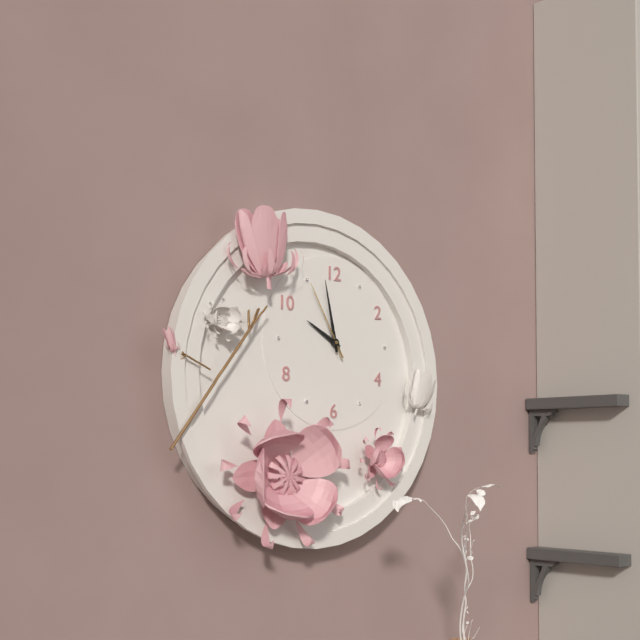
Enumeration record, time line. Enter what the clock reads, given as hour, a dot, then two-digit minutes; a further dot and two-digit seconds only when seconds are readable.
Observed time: 9.58.55
